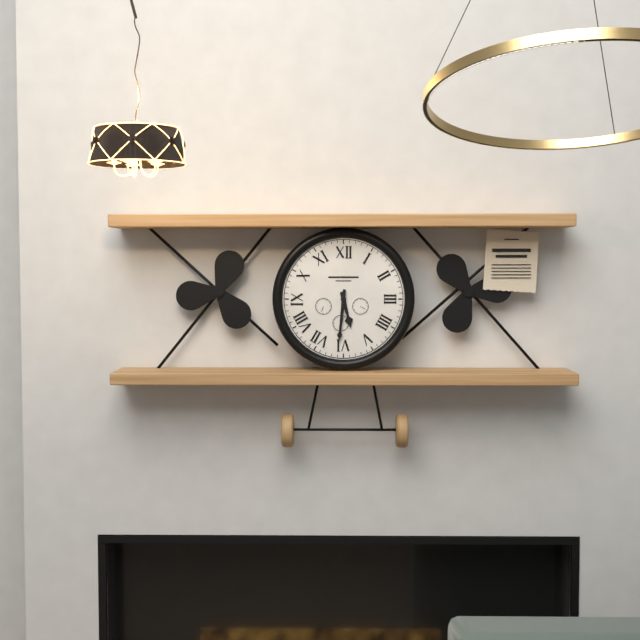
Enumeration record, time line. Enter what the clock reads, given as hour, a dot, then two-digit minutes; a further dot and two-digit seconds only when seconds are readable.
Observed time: 5.31
